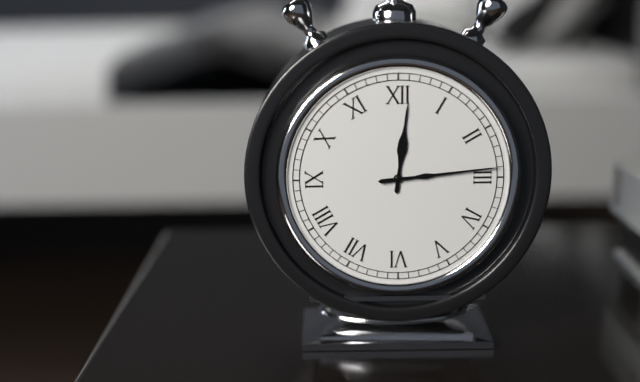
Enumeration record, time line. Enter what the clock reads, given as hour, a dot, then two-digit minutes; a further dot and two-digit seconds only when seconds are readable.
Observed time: 12.14
